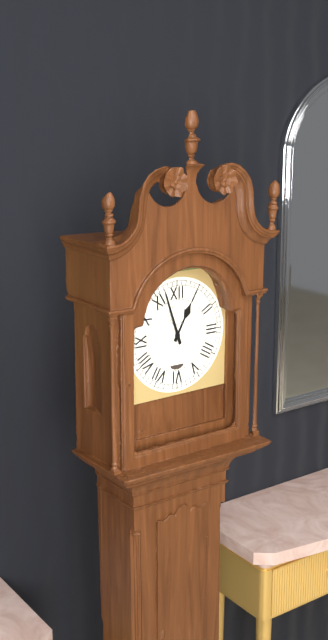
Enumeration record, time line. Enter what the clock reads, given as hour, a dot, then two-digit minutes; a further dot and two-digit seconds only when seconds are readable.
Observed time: 12.57
